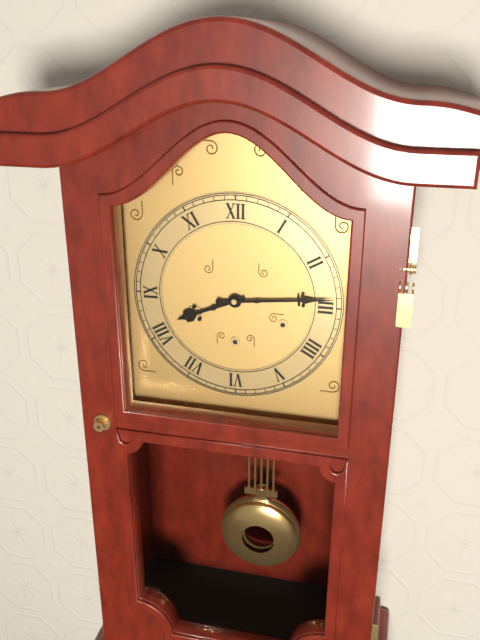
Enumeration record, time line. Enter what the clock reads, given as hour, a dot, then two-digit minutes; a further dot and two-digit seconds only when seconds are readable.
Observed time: 8.14
